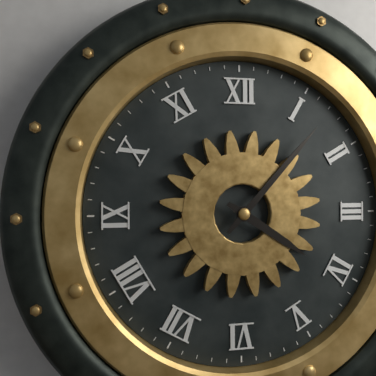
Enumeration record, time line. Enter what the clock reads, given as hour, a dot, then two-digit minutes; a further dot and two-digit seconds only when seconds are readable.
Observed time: 4.07
